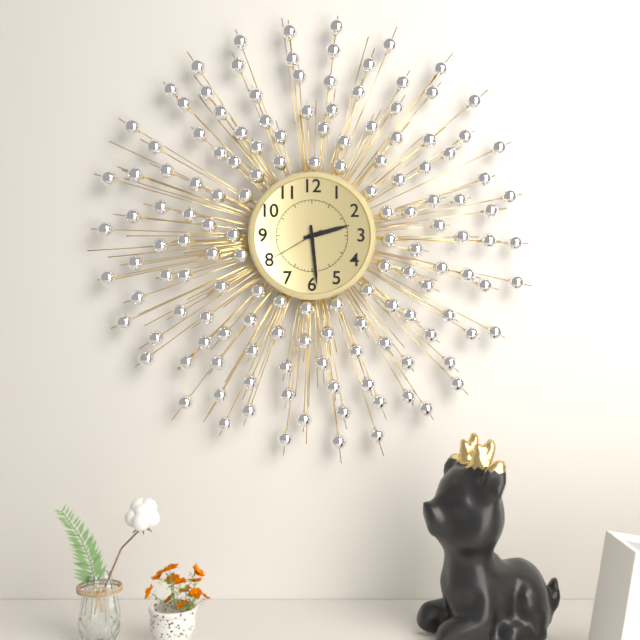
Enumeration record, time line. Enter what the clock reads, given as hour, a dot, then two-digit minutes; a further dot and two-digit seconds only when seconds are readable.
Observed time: 2.29.40
